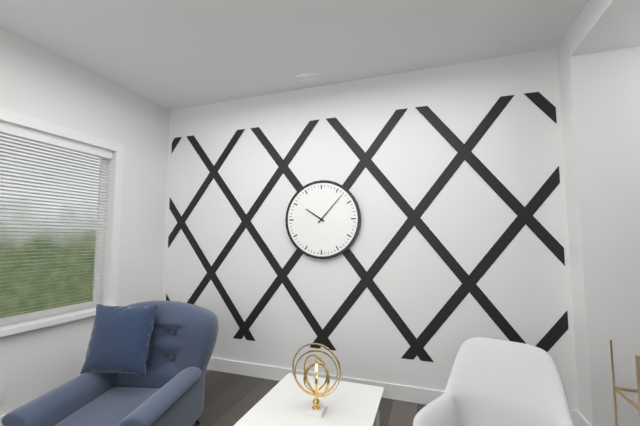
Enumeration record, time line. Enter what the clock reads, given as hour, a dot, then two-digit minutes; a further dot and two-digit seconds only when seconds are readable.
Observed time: 10.07
